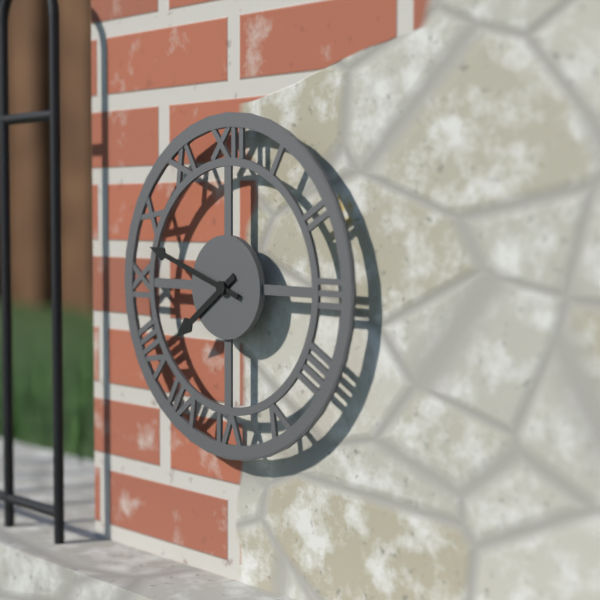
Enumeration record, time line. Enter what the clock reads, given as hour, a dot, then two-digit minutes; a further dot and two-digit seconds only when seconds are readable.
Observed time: 7.48
